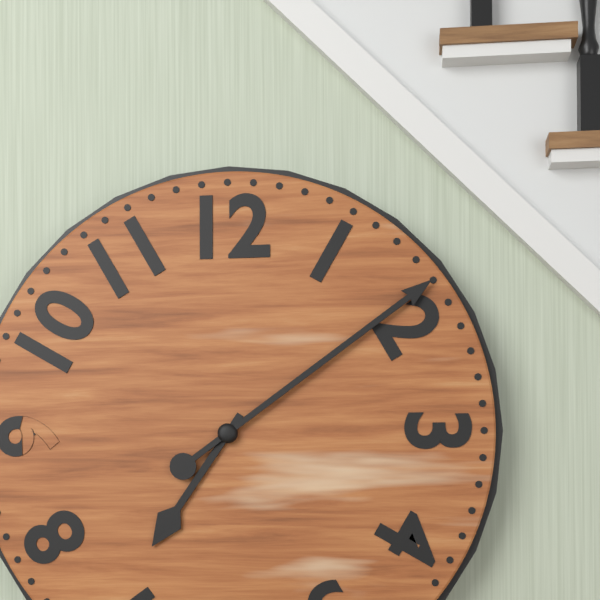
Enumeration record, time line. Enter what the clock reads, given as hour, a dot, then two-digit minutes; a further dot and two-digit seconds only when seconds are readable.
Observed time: 7.09
